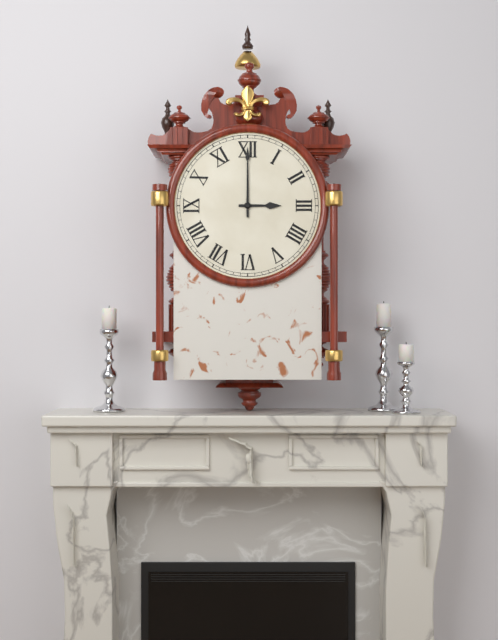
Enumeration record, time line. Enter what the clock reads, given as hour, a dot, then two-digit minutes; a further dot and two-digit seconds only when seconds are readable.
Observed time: 3.00
